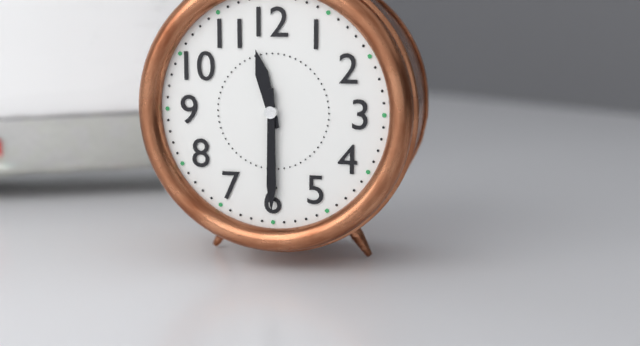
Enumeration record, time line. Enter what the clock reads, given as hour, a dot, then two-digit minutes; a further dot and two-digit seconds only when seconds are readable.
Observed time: 11.30
